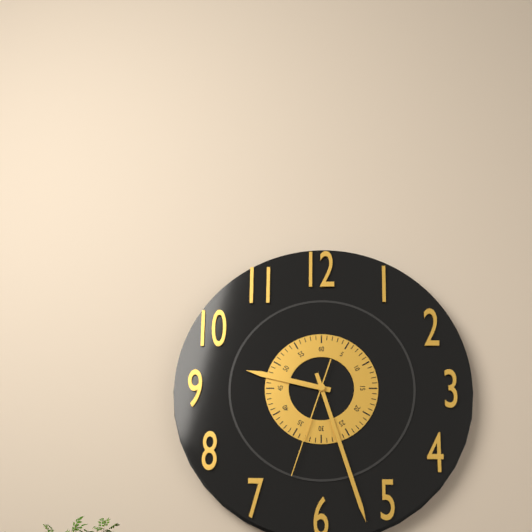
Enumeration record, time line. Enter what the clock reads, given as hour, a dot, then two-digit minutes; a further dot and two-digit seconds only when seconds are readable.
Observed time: 9.27.33
